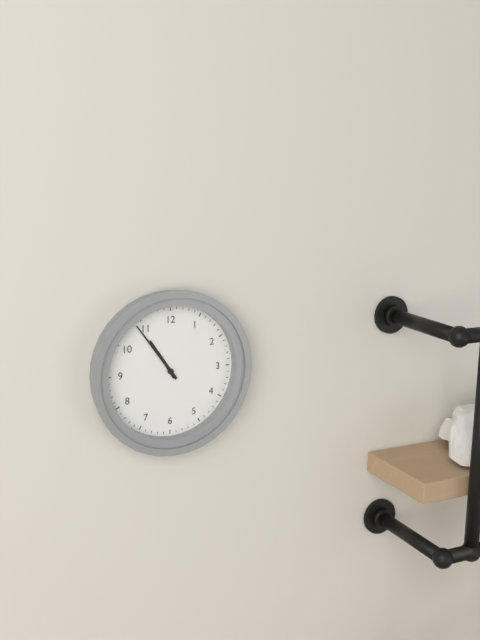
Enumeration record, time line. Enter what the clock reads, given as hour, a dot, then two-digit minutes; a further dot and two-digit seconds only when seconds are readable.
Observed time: 10.54
